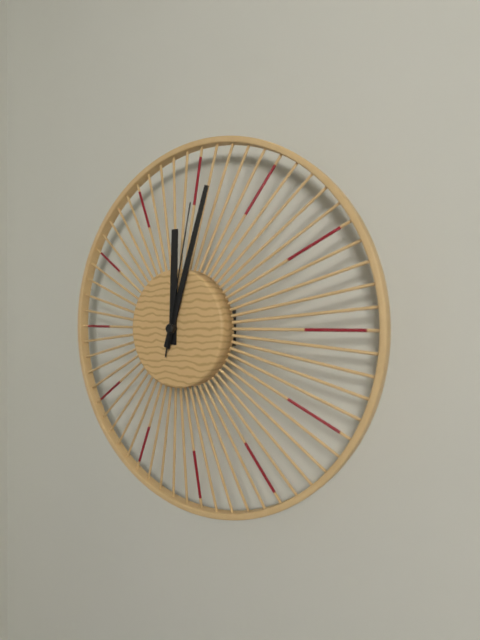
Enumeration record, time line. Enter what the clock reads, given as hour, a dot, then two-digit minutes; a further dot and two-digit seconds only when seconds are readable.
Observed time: 12.03.02
